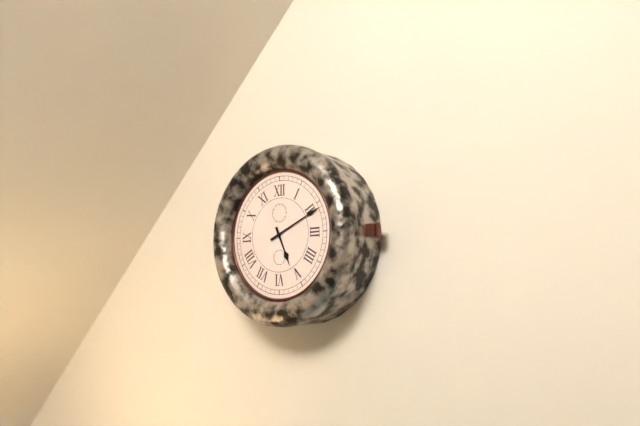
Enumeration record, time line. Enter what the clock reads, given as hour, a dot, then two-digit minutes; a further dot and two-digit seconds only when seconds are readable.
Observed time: 5.11
